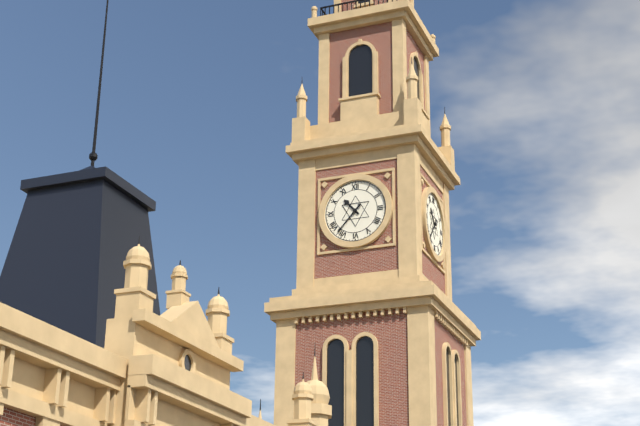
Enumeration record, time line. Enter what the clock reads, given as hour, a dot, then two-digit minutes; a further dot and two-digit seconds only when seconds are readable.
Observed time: 10.37
